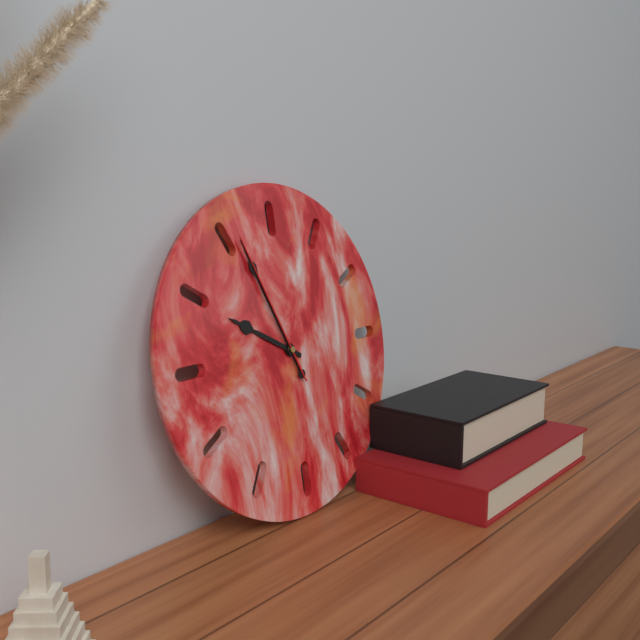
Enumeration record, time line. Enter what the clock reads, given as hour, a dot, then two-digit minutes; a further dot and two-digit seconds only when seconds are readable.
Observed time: 9.56.56
